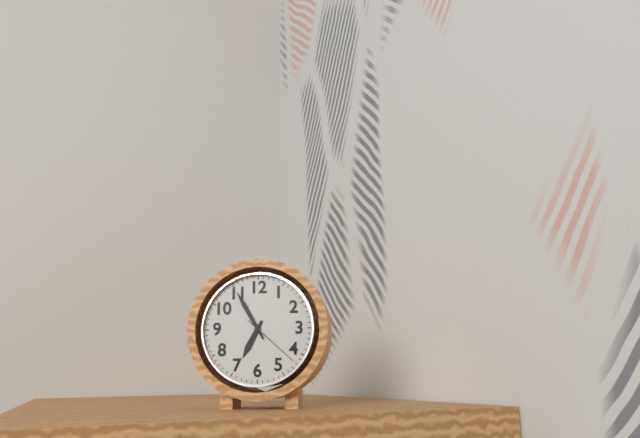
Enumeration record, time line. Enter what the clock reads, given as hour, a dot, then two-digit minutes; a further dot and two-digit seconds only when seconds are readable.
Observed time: 6.55.22
